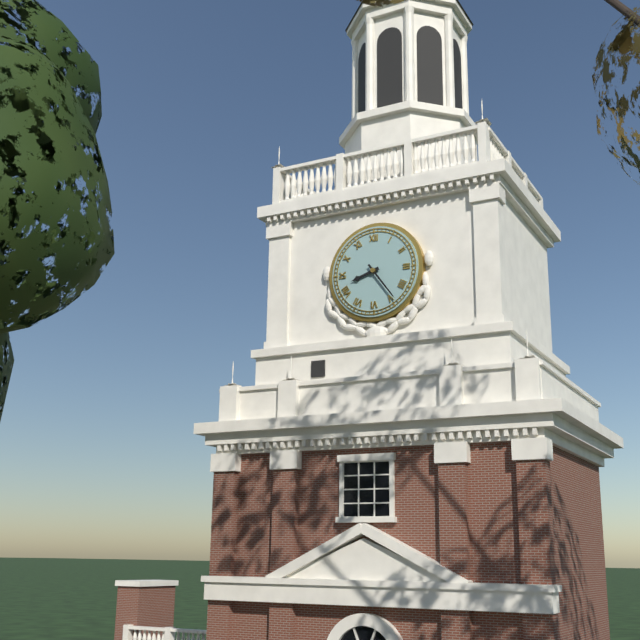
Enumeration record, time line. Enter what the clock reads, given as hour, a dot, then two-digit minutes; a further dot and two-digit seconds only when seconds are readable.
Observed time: 8.24
